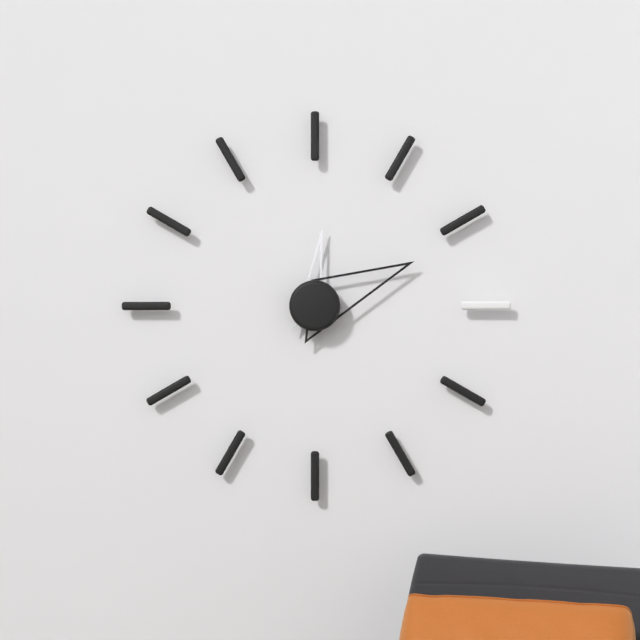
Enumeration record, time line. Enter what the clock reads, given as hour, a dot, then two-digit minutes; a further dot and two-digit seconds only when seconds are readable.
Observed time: 12.11
